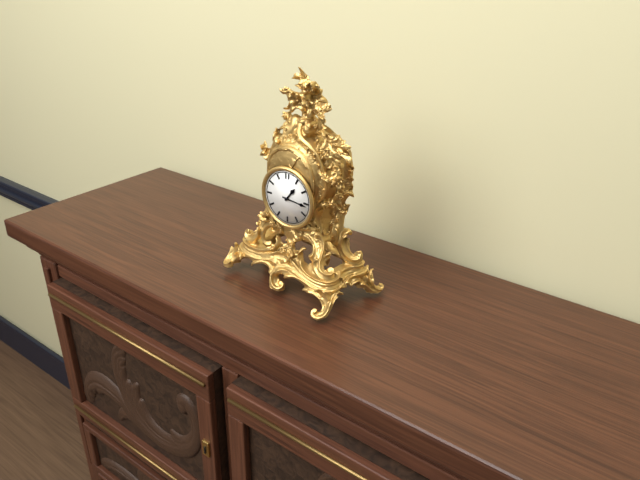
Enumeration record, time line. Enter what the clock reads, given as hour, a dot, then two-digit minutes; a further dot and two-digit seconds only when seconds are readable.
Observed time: 1.16
